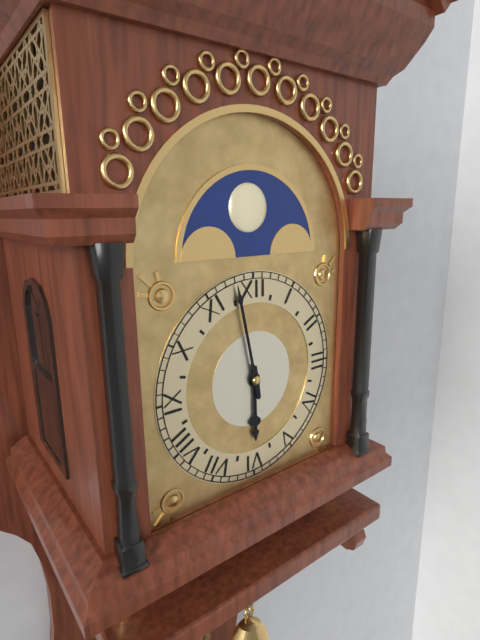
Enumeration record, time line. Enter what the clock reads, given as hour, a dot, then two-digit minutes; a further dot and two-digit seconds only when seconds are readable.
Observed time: 5.58
